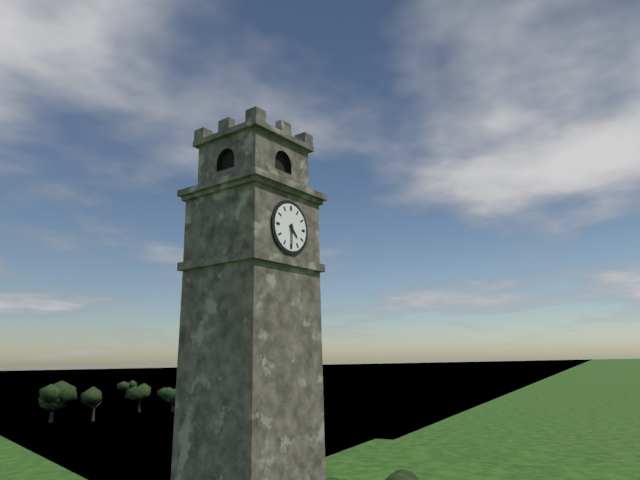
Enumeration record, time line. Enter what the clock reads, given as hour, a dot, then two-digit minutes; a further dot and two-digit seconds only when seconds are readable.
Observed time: 4.30
